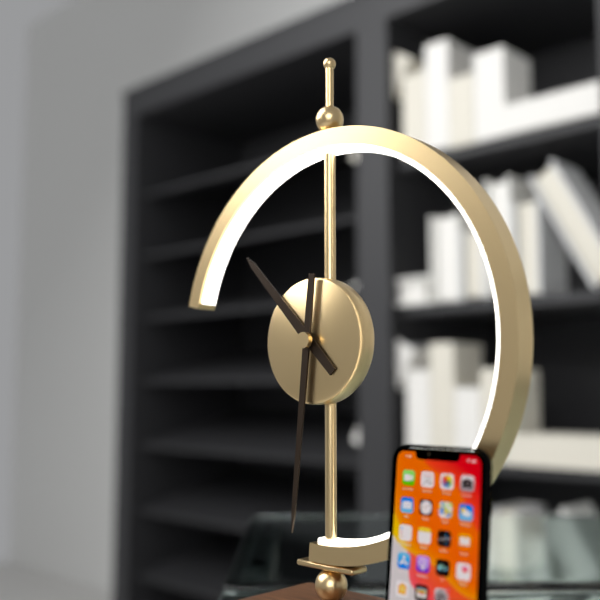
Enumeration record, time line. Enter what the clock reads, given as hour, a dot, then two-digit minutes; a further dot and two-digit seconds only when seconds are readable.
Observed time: 10.31
